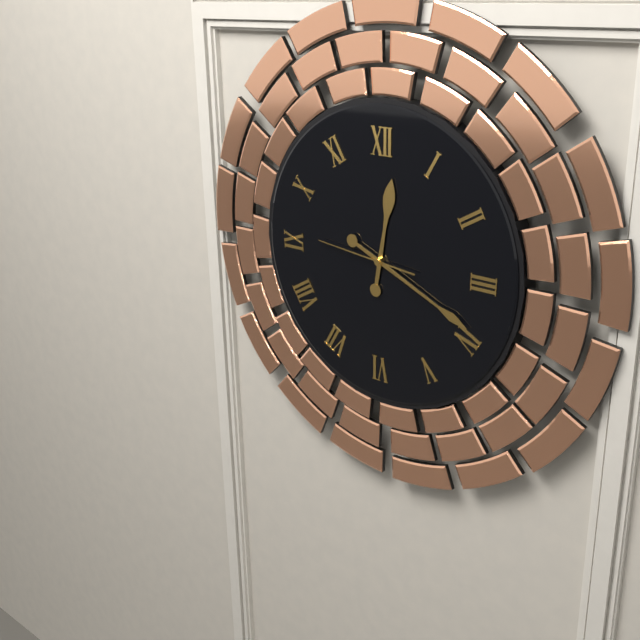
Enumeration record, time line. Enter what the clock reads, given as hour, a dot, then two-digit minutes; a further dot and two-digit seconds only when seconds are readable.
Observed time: 12.19.46
